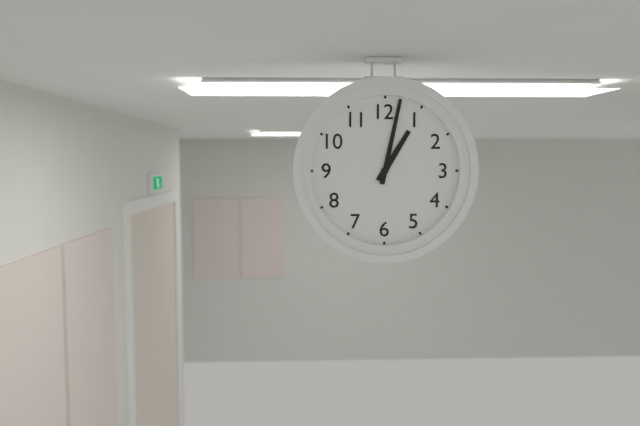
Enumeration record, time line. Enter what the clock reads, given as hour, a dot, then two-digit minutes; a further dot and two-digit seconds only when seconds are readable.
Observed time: 1.02
